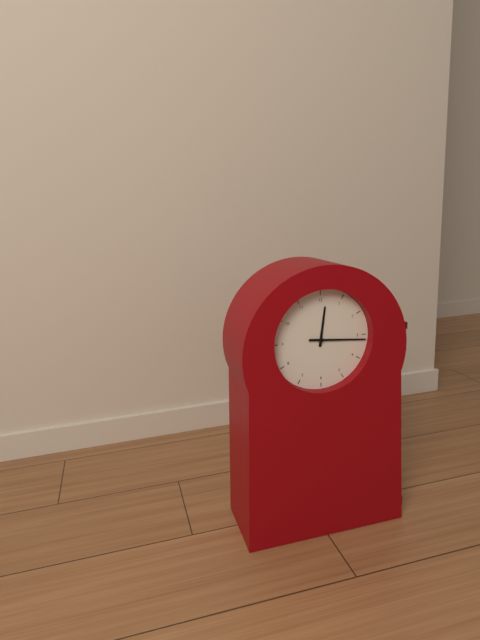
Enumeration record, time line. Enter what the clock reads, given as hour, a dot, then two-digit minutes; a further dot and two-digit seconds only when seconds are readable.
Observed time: 12.16
